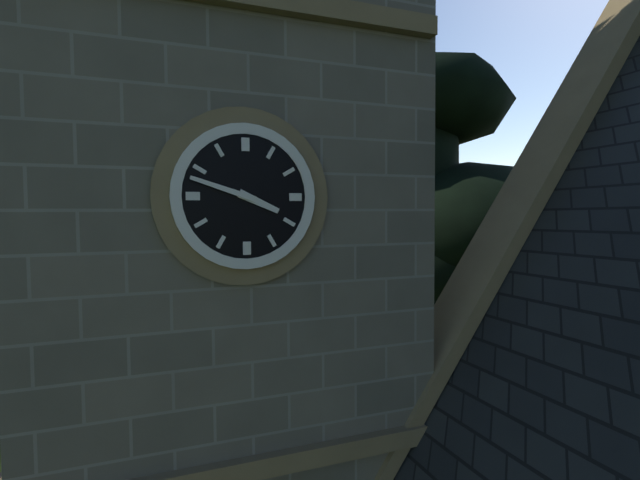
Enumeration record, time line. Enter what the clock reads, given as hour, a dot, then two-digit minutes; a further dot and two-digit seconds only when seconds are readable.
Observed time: 3.48
